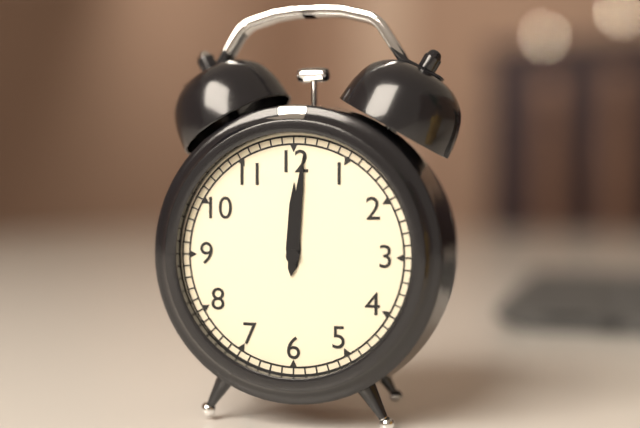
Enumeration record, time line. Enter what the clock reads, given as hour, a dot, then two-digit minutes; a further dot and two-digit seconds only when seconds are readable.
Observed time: 12.01
